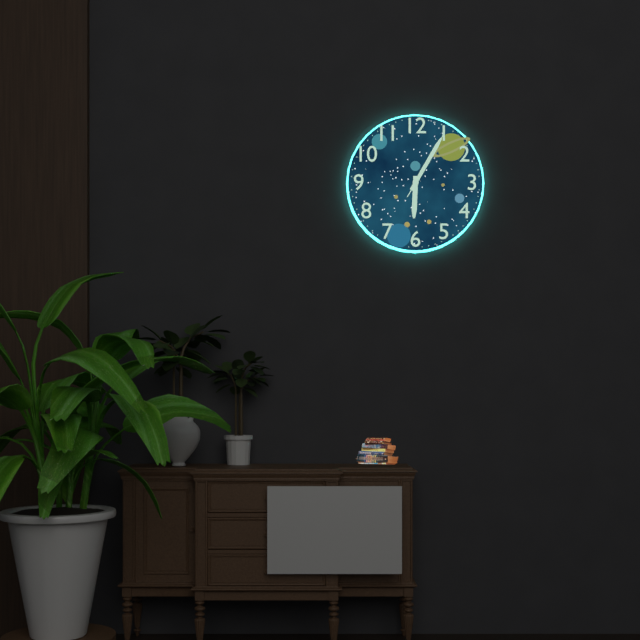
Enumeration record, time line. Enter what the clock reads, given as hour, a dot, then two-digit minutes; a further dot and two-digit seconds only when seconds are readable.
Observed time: 6.05.05
